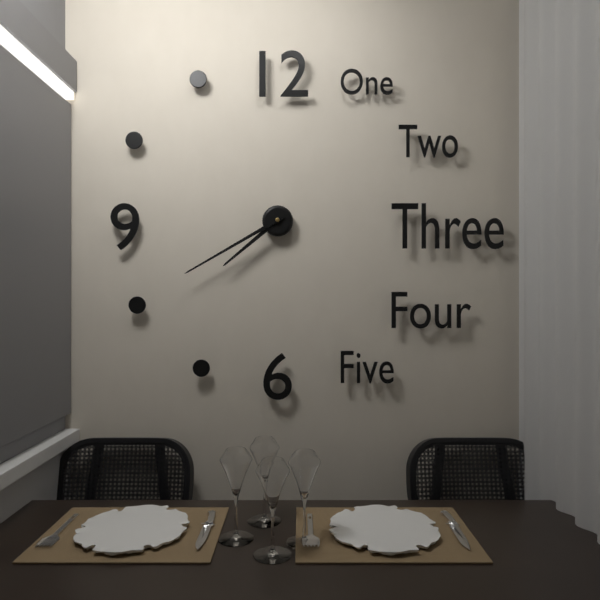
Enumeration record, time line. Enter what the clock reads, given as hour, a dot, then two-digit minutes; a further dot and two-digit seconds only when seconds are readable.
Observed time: 7.40
